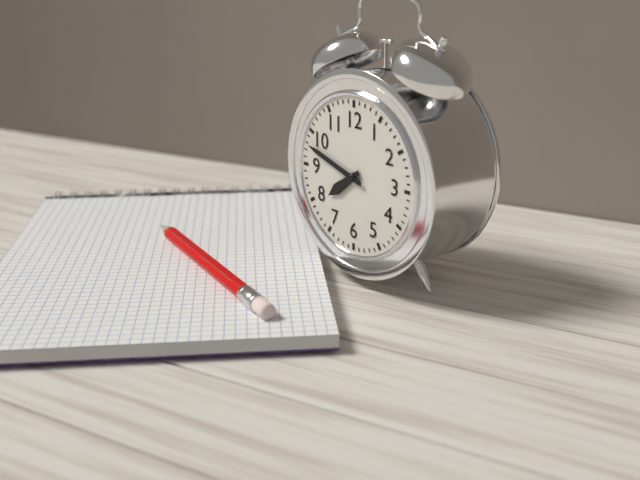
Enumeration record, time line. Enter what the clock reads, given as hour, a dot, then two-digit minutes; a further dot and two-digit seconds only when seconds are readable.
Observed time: 7.48
